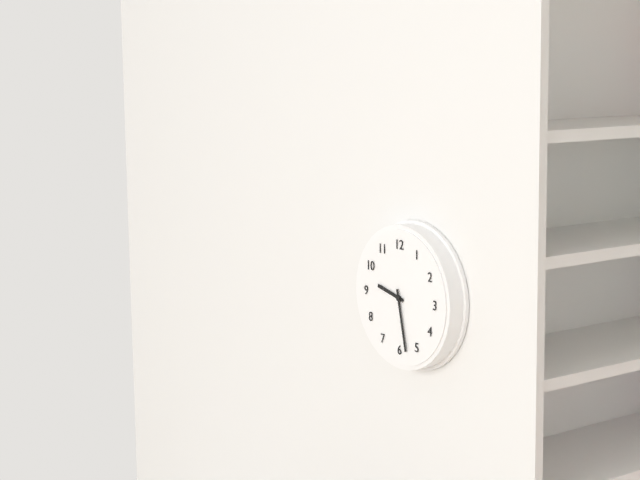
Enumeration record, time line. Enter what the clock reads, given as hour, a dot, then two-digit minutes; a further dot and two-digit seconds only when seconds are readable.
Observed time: 9.28
